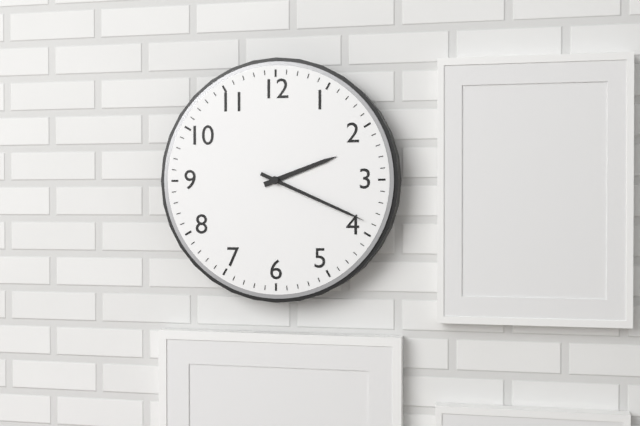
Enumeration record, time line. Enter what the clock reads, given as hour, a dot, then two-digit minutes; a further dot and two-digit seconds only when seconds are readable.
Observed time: 2.19
